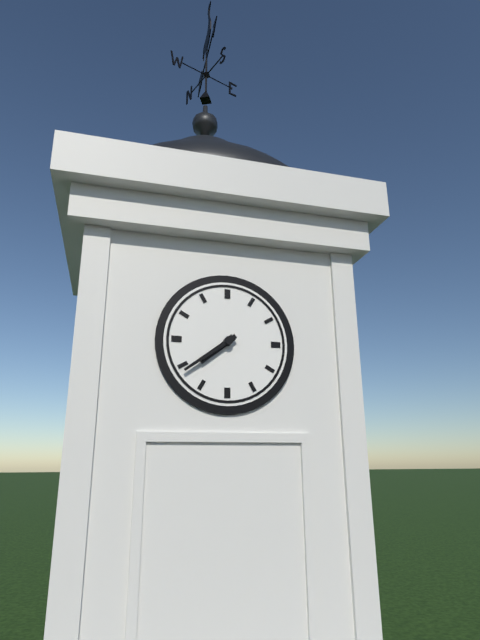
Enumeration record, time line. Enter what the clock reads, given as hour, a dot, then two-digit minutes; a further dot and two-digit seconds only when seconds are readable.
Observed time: 7.39
